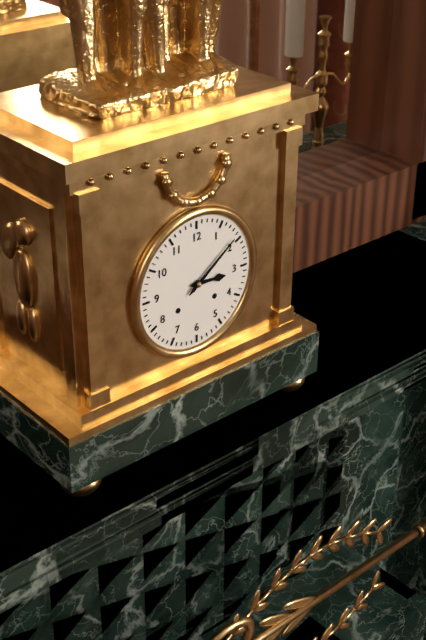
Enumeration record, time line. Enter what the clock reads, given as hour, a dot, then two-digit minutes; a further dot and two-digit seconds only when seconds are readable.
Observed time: 3.09
